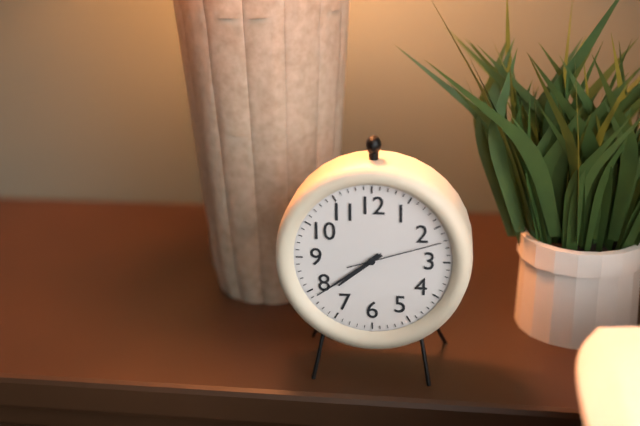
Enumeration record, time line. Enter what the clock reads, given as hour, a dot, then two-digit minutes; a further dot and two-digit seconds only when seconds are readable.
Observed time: 7.39.12
